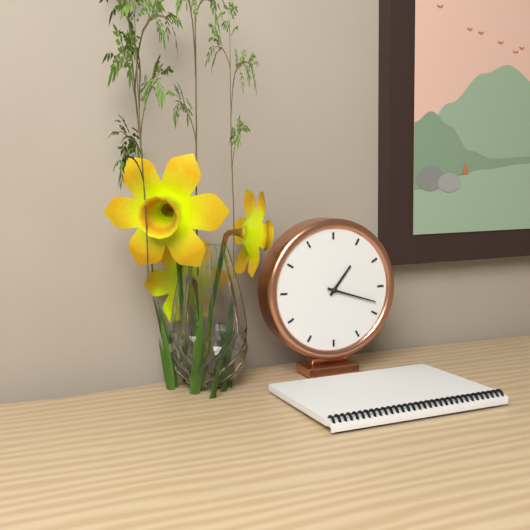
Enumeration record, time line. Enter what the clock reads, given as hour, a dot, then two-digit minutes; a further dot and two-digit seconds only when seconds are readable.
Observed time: 1.18
